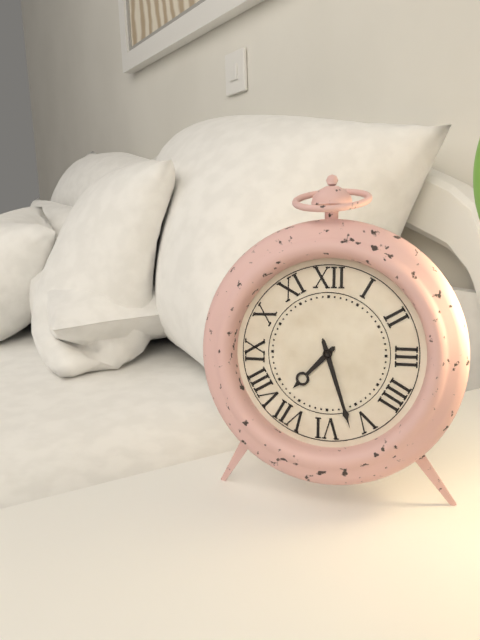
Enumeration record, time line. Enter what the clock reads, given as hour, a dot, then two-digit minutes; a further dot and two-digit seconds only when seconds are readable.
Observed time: 7.27
